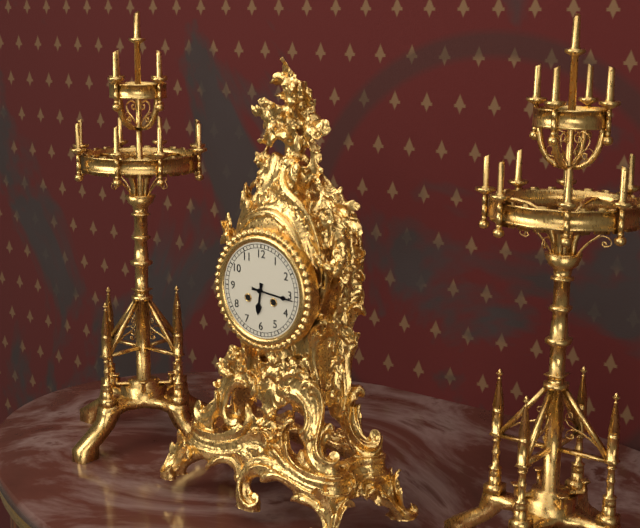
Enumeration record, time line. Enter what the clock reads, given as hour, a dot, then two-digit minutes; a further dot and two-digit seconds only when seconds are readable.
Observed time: 6.16
